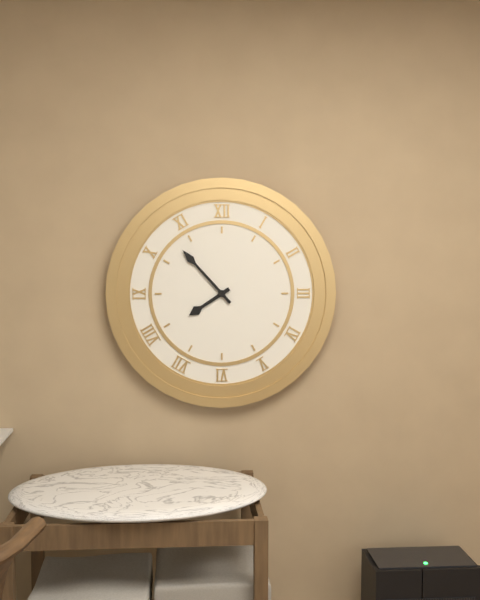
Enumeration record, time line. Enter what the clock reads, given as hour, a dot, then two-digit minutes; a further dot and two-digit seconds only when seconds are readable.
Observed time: 7.53
